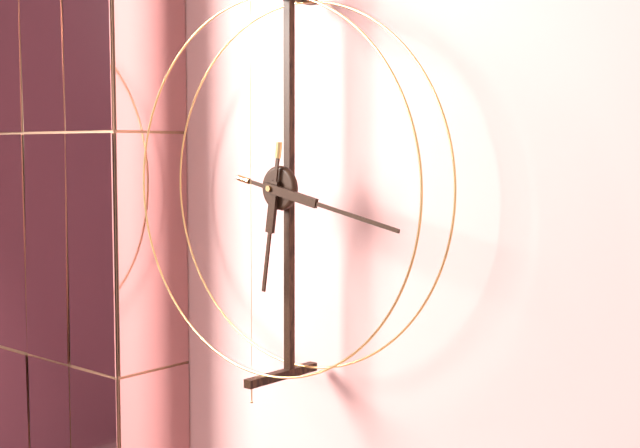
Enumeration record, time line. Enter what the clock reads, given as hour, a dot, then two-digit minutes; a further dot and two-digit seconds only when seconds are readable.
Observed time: 6.17
